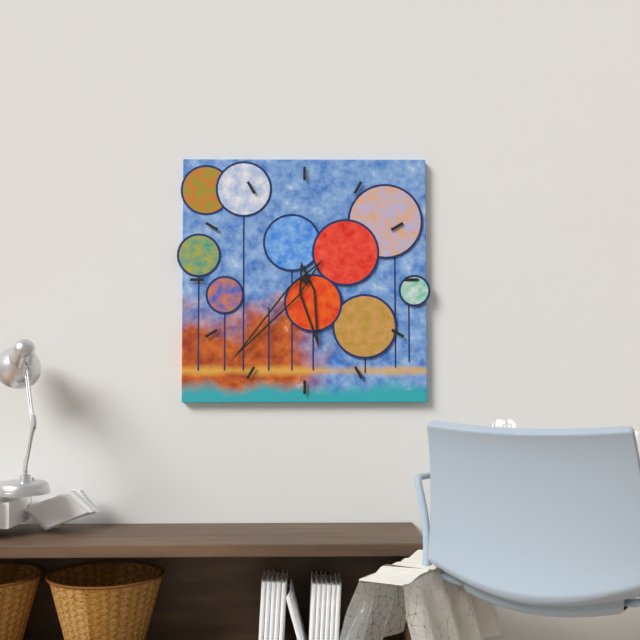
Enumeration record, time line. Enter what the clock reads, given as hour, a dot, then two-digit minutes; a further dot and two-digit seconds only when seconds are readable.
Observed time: 5.37
